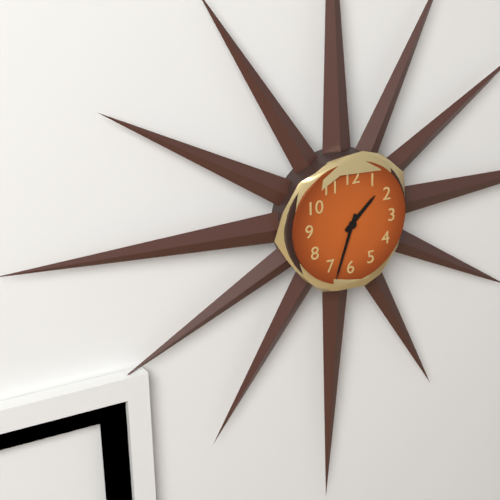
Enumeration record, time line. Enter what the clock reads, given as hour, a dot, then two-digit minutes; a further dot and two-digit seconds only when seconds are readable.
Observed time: 1.33
